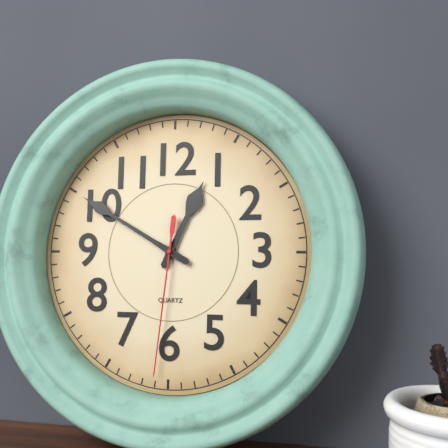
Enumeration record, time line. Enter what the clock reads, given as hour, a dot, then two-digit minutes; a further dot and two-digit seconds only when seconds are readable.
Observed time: 12.50.31
